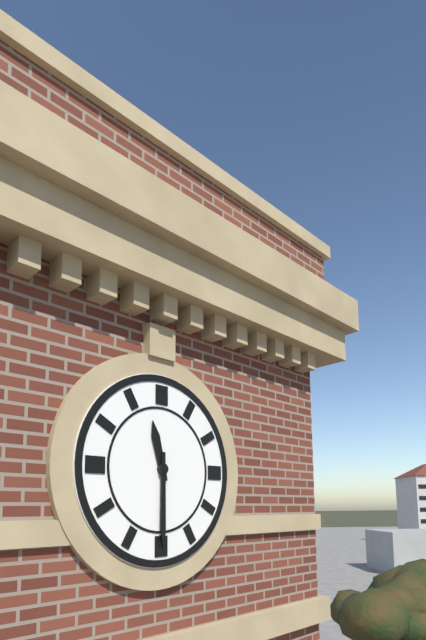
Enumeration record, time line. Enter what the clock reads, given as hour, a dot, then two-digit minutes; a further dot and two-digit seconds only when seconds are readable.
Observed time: 11.30
